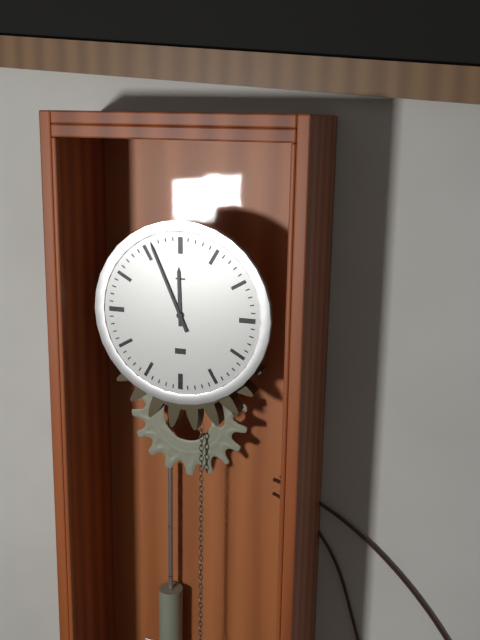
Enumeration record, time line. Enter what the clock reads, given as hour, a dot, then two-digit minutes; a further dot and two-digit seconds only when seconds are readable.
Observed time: 11.56
